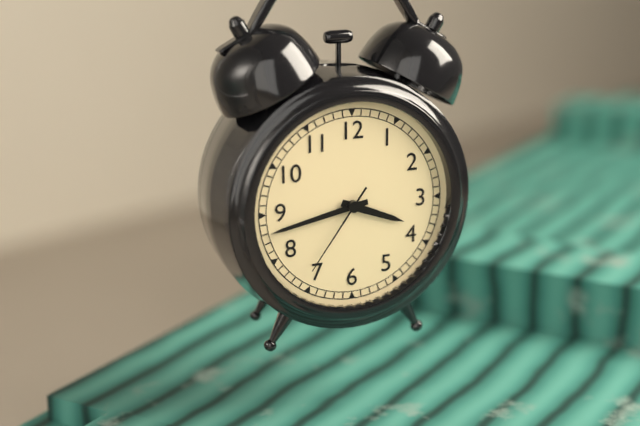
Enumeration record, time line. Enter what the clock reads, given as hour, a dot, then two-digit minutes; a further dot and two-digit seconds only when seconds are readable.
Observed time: 3.43.36
